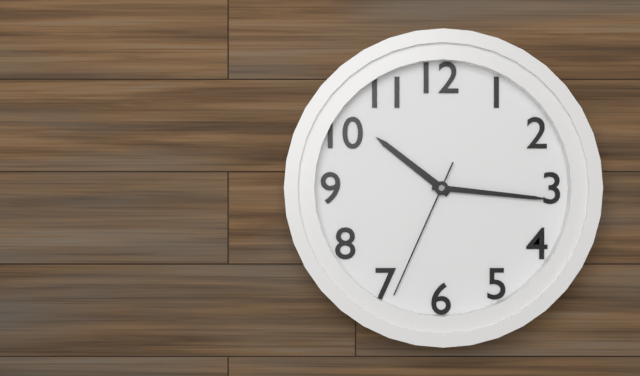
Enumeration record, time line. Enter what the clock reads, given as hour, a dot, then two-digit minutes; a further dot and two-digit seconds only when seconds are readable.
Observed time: 10.16.34
